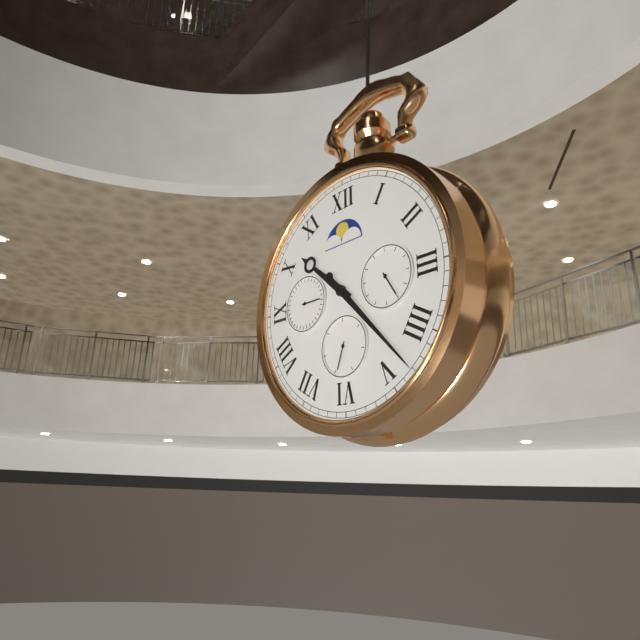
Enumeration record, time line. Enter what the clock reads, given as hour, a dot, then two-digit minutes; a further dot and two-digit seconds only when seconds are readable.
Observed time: 10.23
